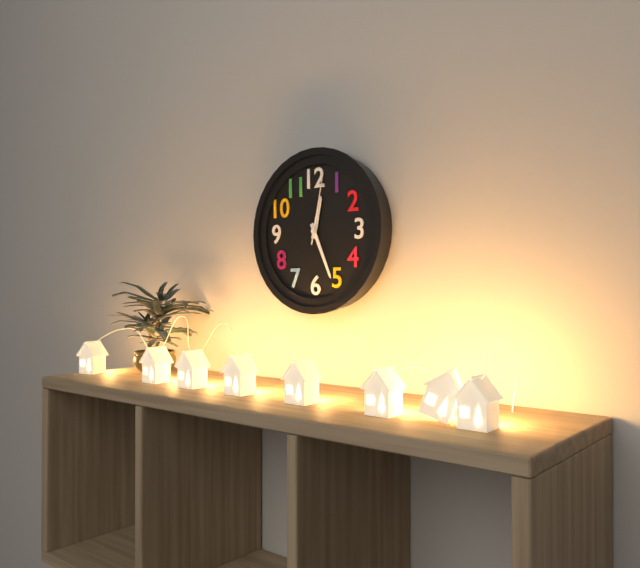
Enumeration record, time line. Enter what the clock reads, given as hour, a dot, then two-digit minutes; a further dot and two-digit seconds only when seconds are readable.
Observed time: 12.26.02
